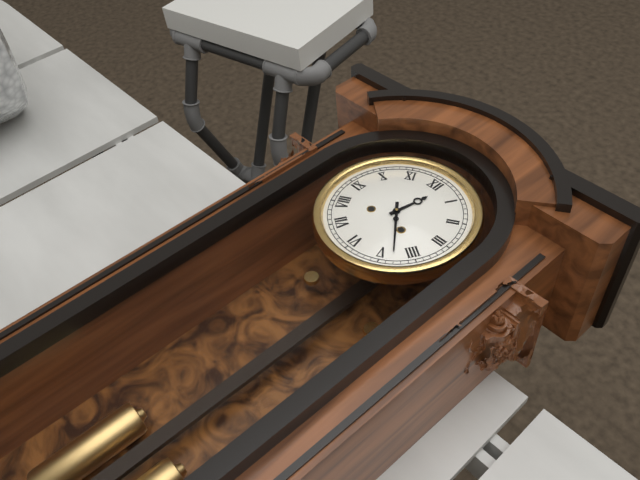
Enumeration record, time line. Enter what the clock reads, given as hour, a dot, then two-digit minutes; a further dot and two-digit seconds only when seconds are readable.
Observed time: 12.23
